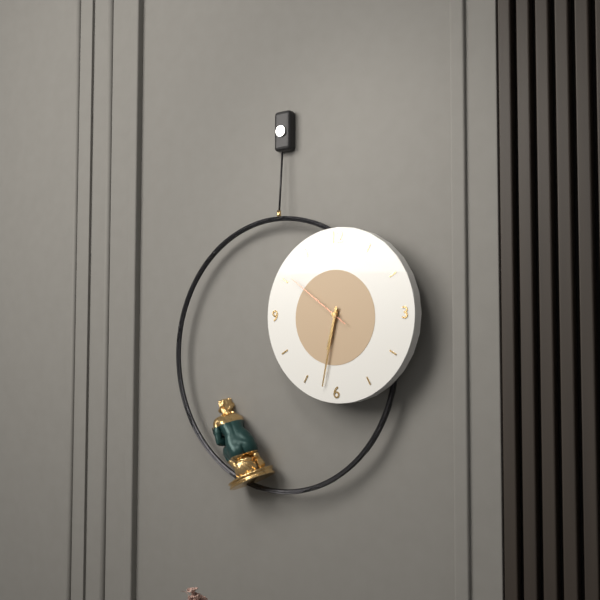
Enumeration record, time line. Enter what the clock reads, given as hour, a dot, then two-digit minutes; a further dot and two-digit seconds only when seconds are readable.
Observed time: 6.32.51
